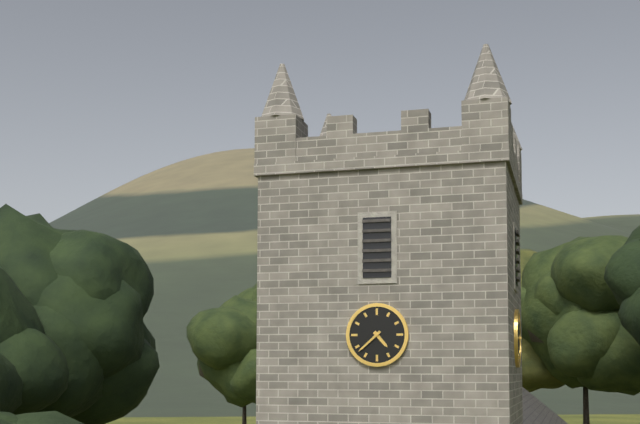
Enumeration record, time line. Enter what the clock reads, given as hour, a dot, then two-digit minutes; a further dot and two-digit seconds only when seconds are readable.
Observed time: 4.38
